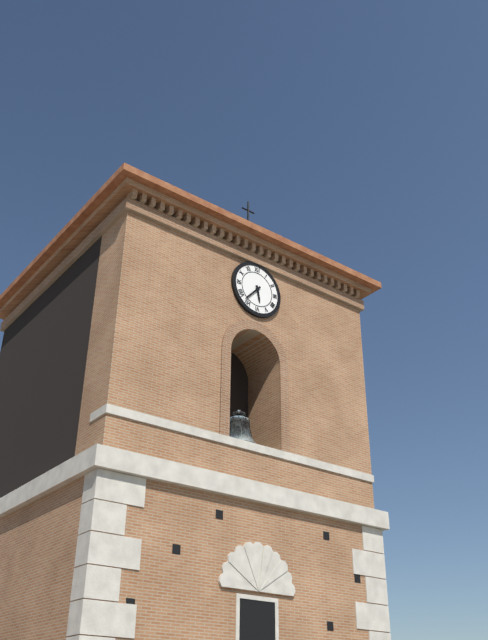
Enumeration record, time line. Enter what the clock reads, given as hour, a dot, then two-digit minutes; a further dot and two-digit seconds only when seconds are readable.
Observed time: 5.37
